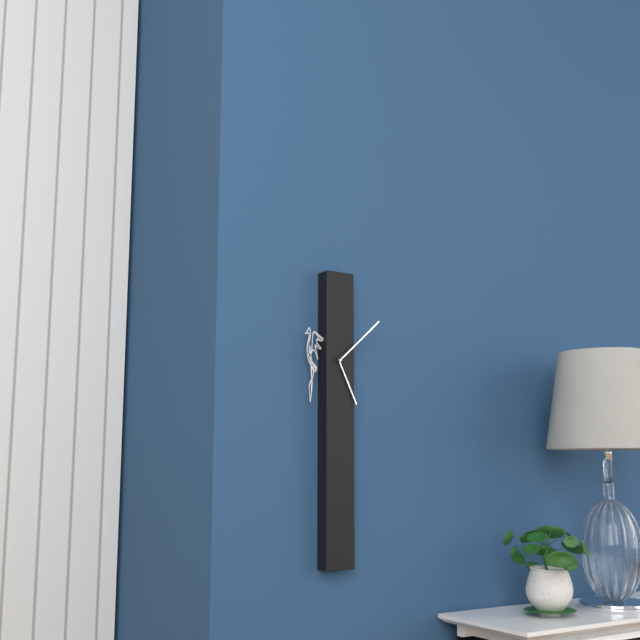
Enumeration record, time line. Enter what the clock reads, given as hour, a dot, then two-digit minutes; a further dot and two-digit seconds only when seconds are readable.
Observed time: 5.08
